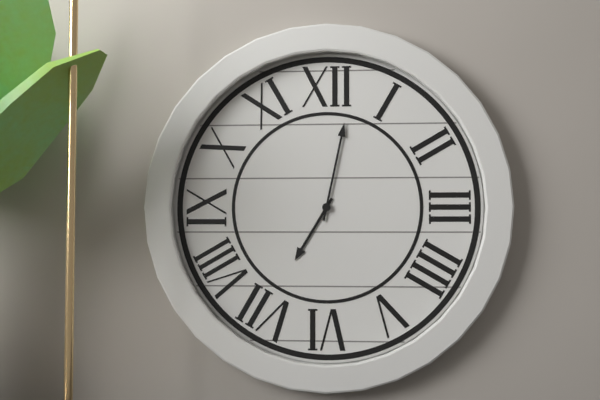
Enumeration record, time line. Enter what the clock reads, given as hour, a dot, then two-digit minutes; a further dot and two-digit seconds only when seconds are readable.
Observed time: 7.02
